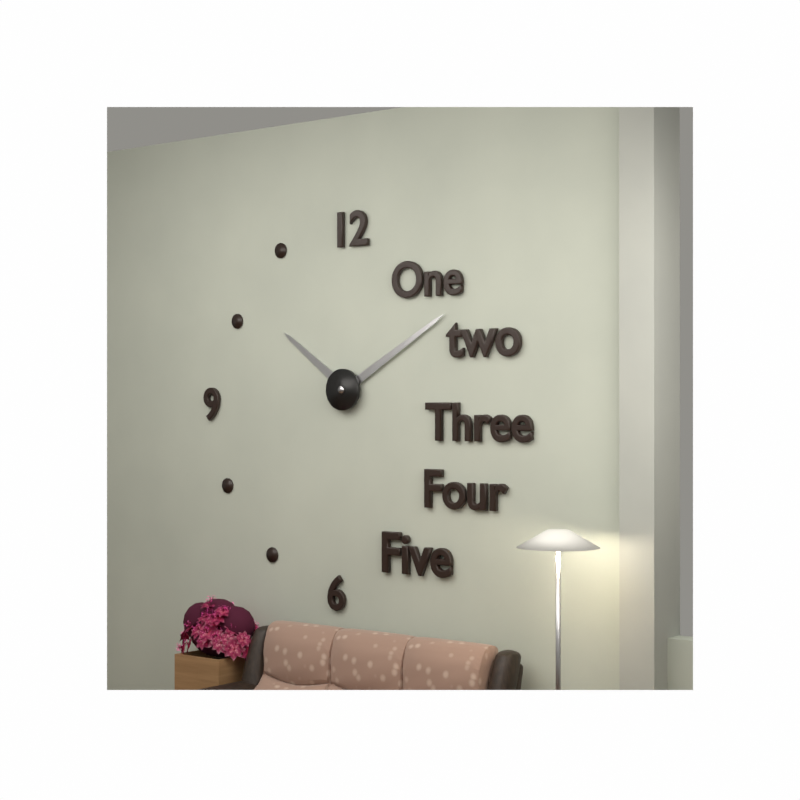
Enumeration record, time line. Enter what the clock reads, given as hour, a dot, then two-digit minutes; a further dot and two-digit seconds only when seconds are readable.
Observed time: 10.10
